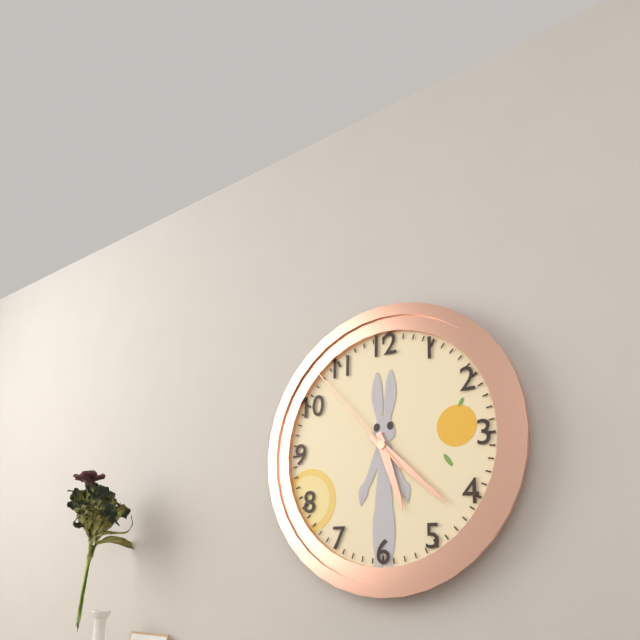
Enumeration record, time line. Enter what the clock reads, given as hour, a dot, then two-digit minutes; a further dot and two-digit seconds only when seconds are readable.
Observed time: 5.22.53
